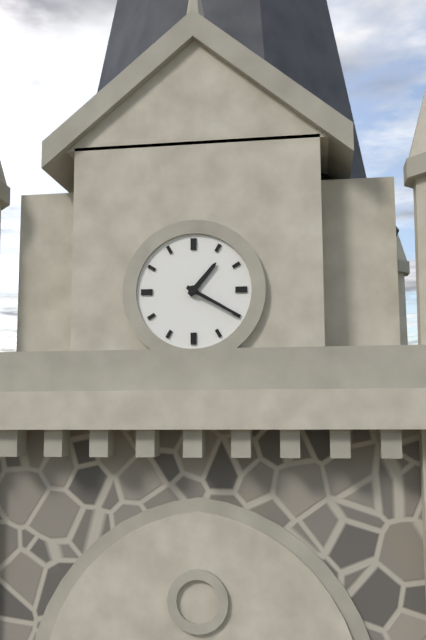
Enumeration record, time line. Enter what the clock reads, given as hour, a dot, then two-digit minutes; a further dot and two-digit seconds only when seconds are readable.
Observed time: 1.20
